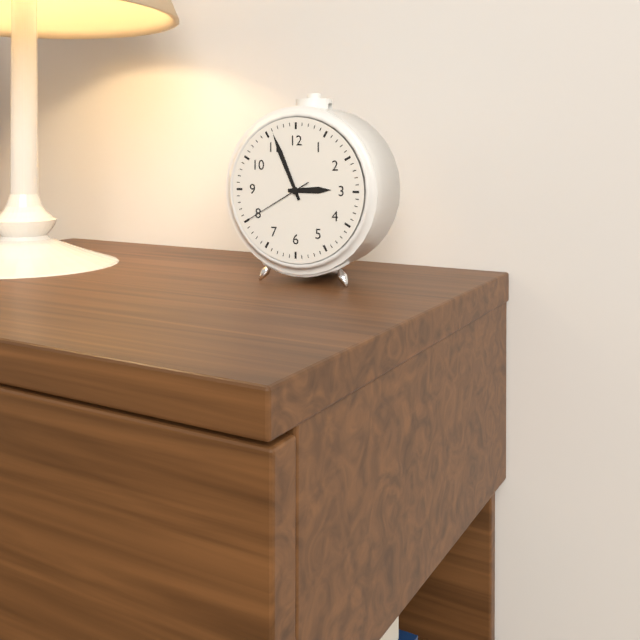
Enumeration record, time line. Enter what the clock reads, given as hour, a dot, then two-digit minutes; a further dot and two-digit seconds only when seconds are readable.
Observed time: 2.56.40
